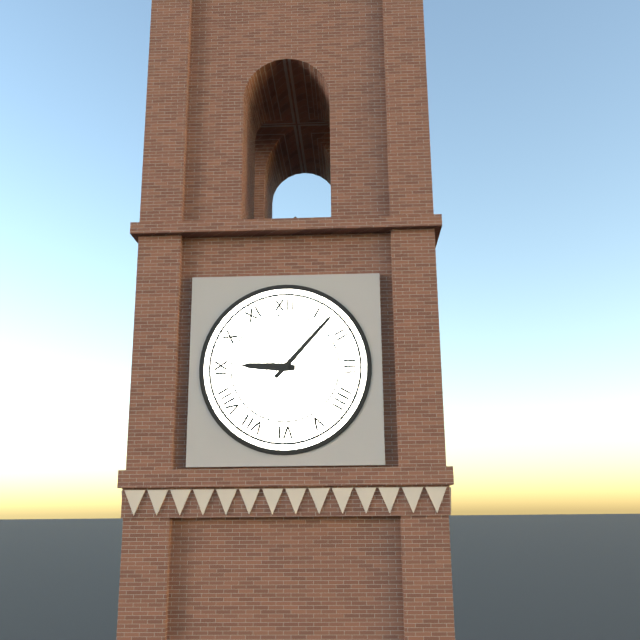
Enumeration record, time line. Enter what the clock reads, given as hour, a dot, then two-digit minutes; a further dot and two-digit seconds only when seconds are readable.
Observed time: 9.07
